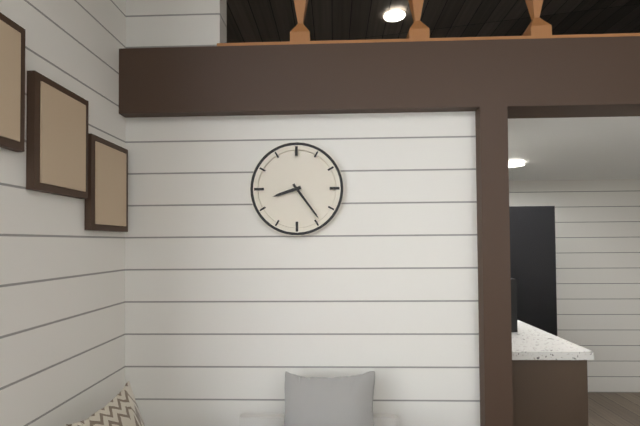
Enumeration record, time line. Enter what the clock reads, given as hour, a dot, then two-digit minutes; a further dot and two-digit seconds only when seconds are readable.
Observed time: 8.24
